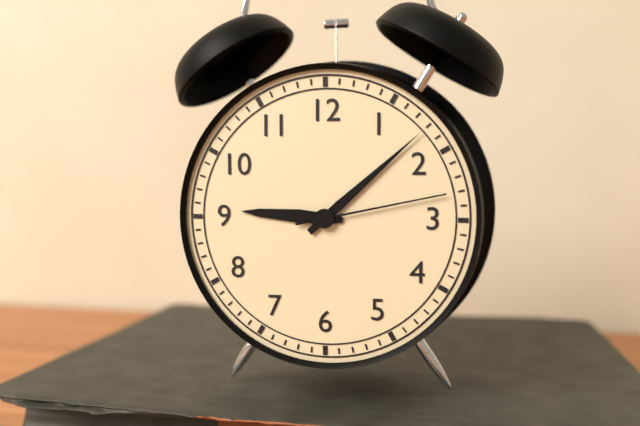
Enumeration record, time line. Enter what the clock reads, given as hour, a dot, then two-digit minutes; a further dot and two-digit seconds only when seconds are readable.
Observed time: 9.08.13
